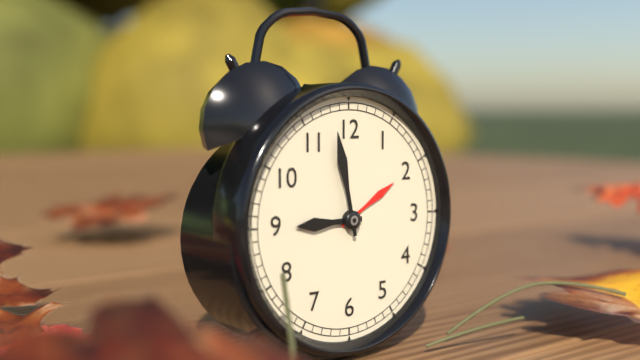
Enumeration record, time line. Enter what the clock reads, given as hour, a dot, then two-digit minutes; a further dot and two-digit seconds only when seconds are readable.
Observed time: 8.58
